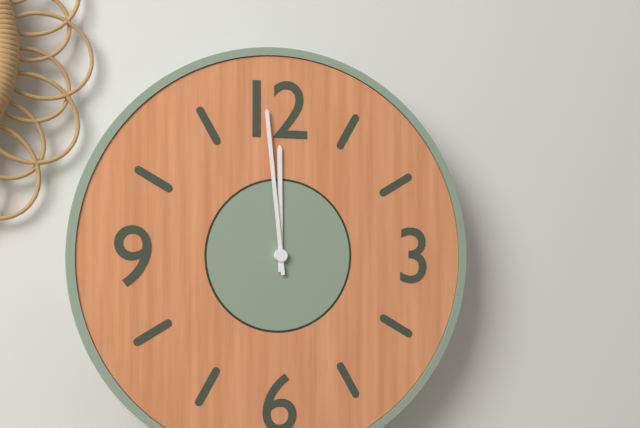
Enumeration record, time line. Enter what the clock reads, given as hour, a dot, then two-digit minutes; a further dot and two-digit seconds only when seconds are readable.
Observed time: 11.59
